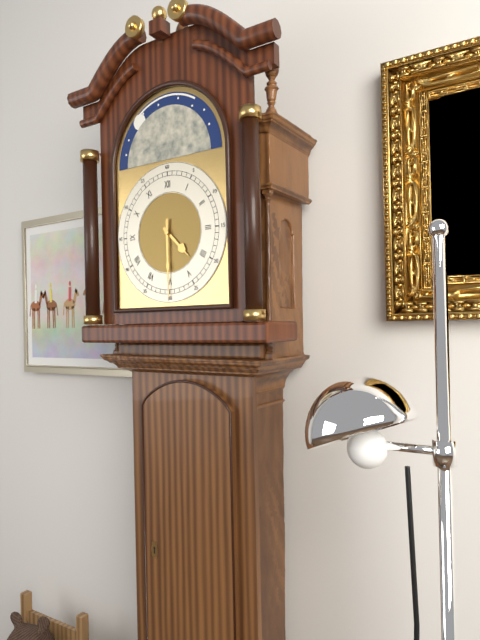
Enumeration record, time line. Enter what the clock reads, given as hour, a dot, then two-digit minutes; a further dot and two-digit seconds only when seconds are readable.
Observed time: 4.30
